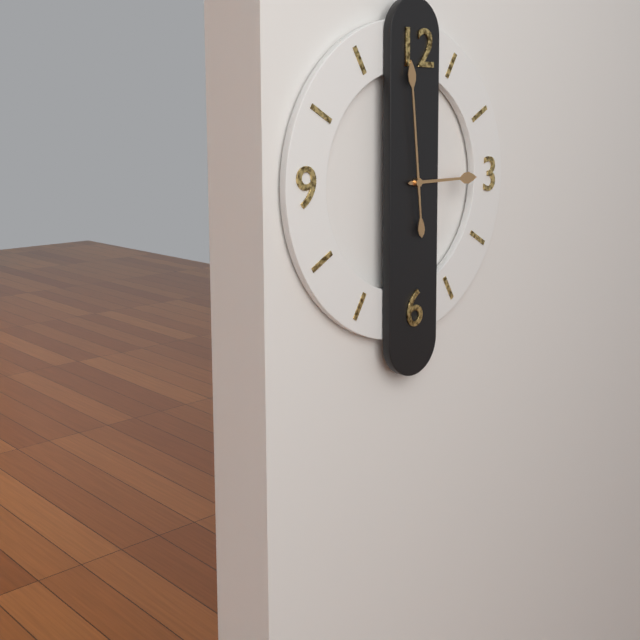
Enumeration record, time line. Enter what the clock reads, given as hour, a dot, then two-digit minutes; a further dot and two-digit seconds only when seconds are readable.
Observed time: 2.59
